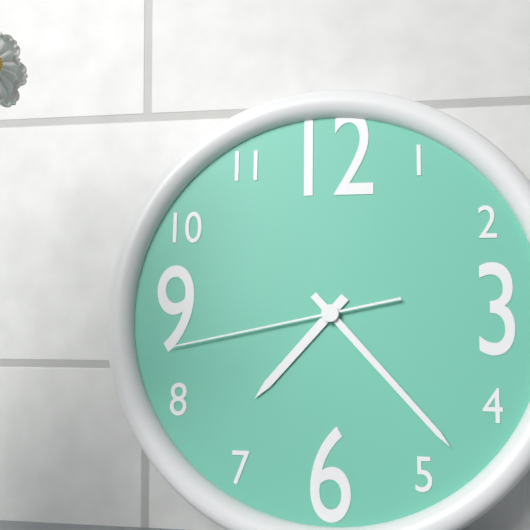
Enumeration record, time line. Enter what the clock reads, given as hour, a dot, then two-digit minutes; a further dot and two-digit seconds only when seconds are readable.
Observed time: 7.23.43
